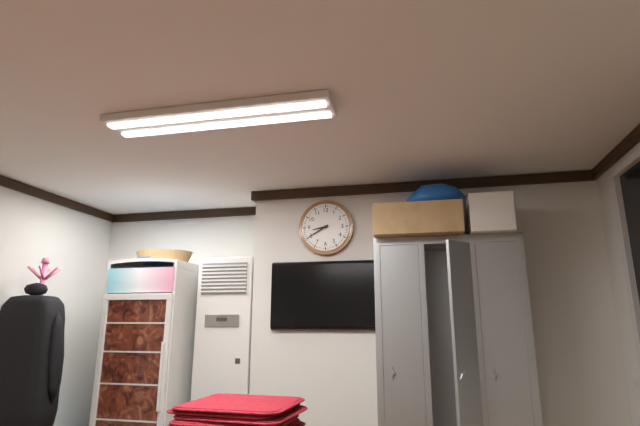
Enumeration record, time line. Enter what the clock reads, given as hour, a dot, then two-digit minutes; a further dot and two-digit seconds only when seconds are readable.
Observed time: 8.40
